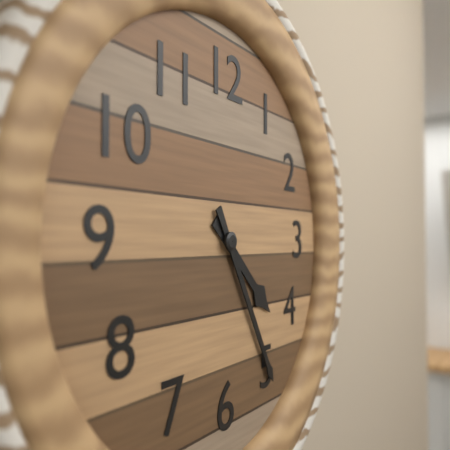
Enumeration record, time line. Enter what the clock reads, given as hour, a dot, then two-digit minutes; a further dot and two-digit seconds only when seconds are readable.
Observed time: 4.25
